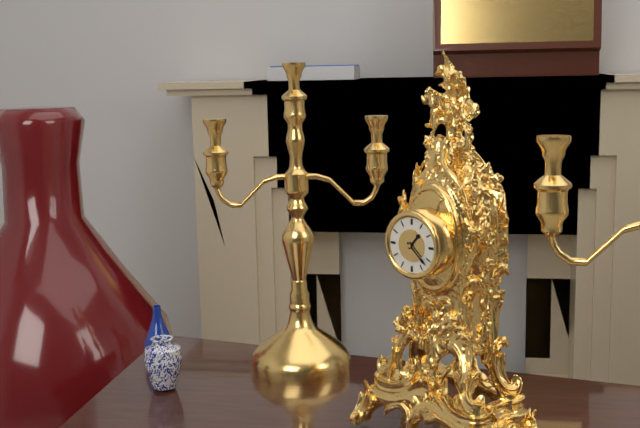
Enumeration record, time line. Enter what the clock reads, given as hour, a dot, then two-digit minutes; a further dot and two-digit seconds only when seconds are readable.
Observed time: 1.22
